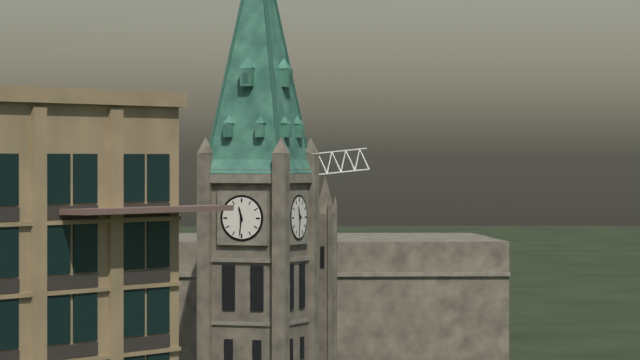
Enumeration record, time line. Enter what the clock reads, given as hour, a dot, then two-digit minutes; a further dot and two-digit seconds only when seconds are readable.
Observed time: 11.31
